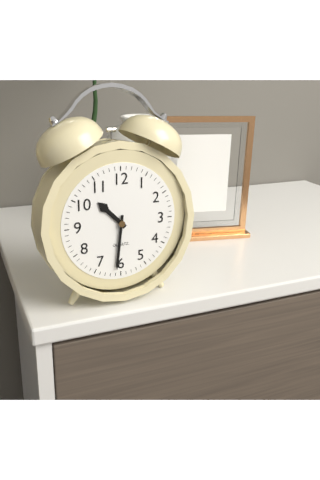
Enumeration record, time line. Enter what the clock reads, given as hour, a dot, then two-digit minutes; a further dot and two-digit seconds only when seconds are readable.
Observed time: 10.31
